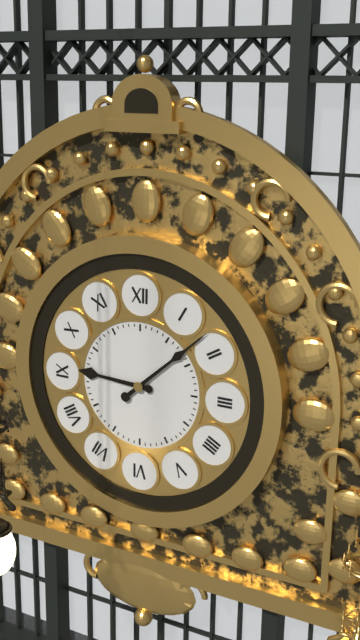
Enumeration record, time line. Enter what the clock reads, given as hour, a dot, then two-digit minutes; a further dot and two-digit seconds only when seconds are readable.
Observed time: 9.08
